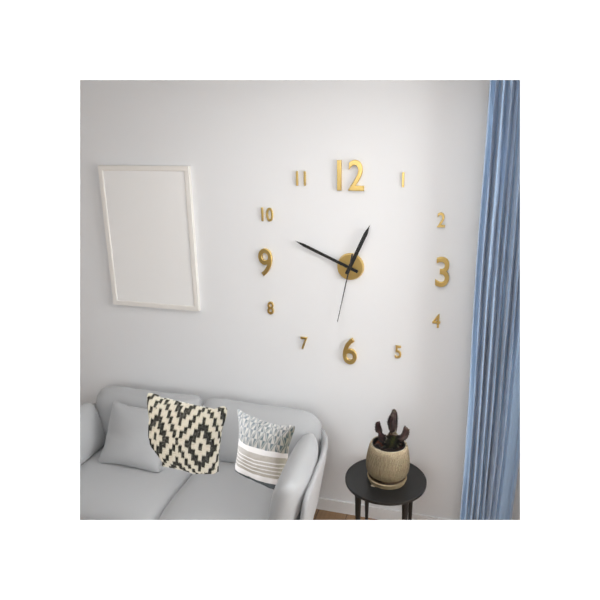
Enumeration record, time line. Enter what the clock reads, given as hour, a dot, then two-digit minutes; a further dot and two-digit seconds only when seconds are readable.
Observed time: 12.49.32
